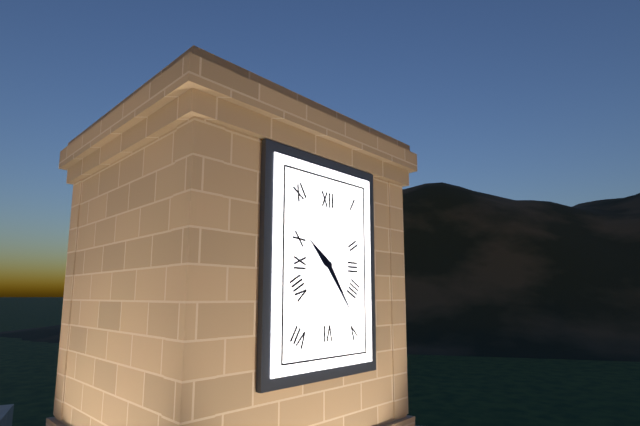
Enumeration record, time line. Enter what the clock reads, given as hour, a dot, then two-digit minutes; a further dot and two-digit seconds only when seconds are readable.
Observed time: 10.24
